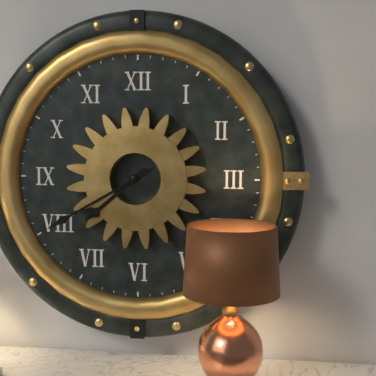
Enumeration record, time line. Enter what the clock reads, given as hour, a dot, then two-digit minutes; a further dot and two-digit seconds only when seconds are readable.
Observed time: 7.40
